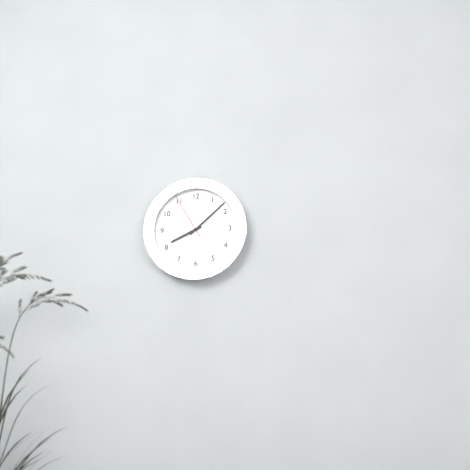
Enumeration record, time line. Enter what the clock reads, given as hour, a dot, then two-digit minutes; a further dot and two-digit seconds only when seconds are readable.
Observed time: 8.08.55
